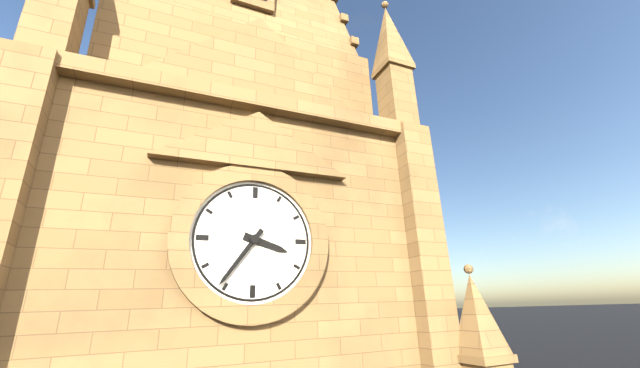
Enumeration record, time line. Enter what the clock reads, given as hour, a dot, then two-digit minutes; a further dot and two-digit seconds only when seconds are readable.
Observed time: 3.36
